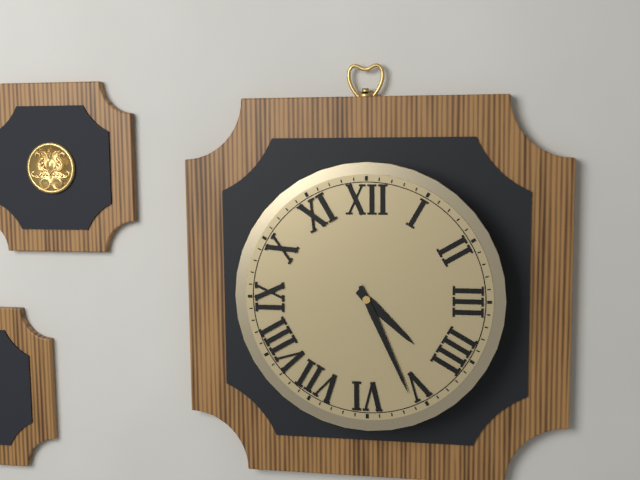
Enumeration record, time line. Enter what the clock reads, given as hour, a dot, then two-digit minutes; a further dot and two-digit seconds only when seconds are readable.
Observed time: 4.26
